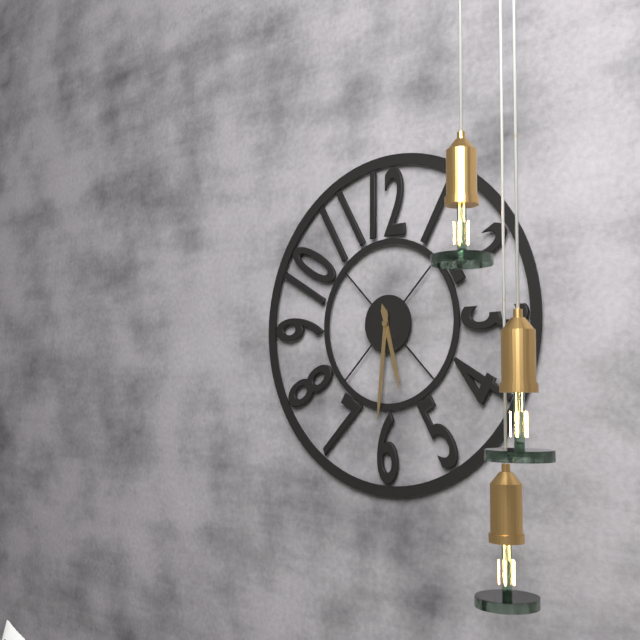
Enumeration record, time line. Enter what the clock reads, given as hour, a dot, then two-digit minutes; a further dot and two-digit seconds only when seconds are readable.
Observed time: 5.31
